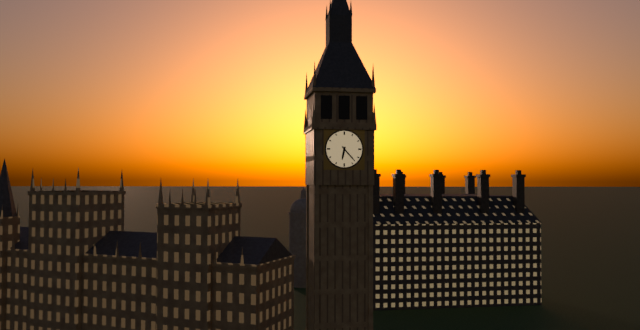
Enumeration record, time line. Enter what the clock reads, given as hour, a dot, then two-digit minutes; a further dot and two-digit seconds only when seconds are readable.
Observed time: 6.23
